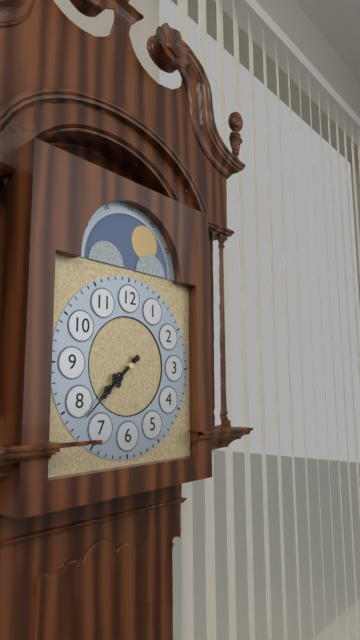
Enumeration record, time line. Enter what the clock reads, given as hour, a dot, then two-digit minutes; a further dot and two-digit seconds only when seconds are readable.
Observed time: 7.38
